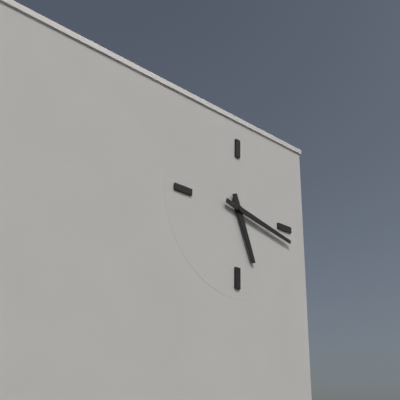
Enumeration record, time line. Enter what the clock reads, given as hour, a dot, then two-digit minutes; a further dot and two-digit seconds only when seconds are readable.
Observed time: 5.17
